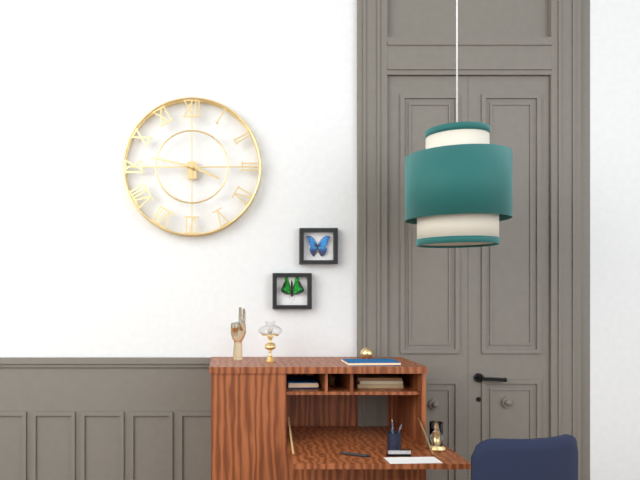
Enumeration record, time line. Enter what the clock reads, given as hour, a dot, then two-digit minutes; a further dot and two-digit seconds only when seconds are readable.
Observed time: 3.47
